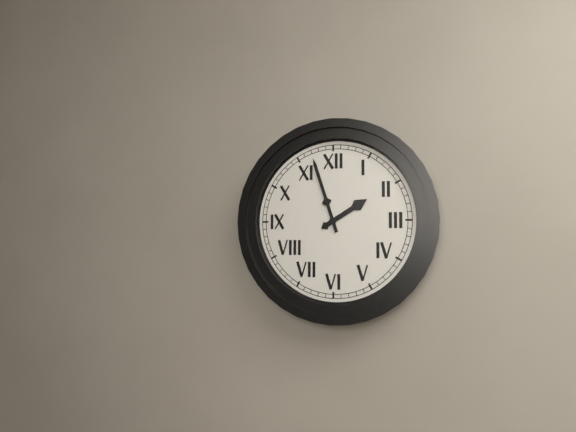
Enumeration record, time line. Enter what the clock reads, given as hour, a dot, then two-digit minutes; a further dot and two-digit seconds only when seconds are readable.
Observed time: 1.57
